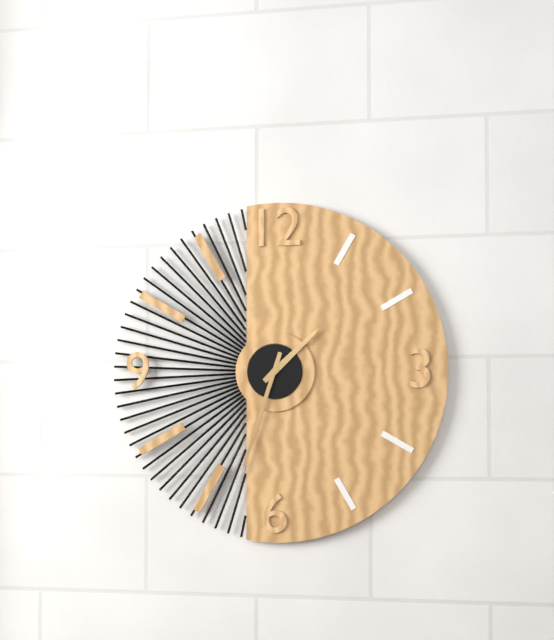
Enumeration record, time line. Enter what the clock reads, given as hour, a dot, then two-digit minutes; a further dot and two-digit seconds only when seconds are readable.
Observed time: 1.33
